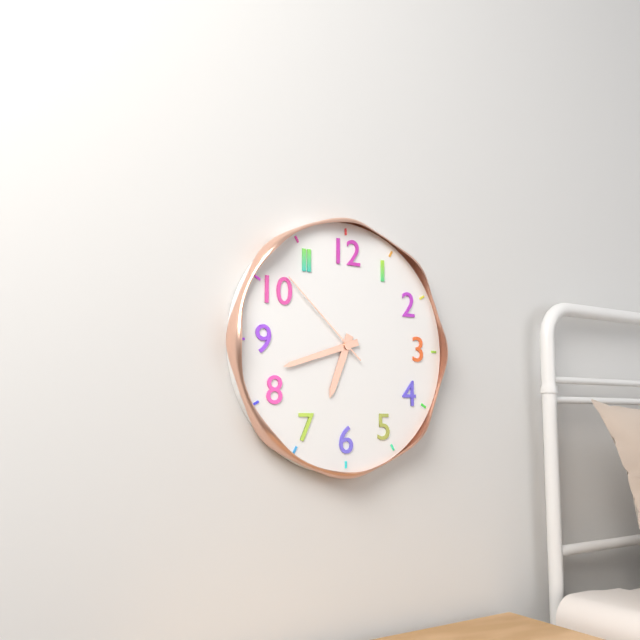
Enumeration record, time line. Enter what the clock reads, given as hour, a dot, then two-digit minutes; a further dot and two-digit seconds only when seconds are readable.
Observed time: 6.42.52
